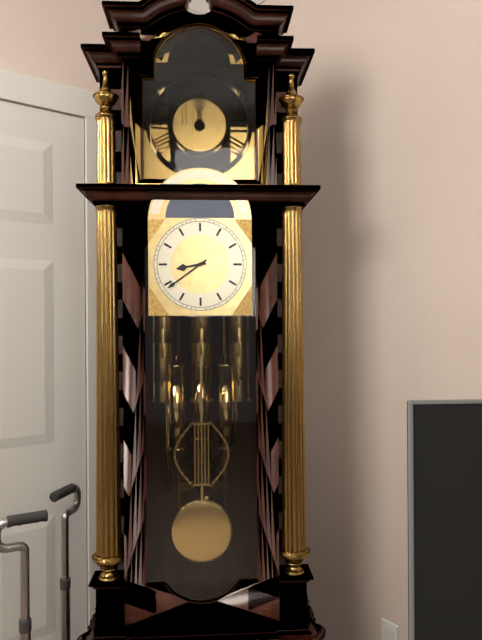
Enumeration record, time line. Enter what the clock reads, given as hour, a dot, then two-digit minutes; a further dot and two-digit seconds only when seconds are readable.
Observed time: 8.39
